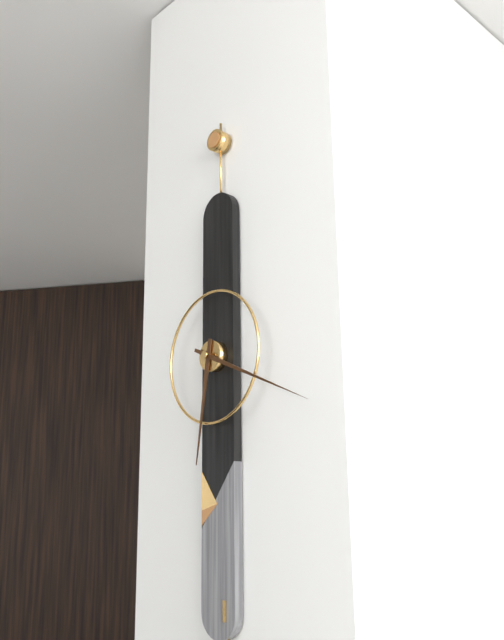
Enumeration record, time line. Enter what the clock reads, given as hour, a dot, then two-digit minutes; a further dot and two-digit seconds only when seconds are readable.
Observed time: 6.19
